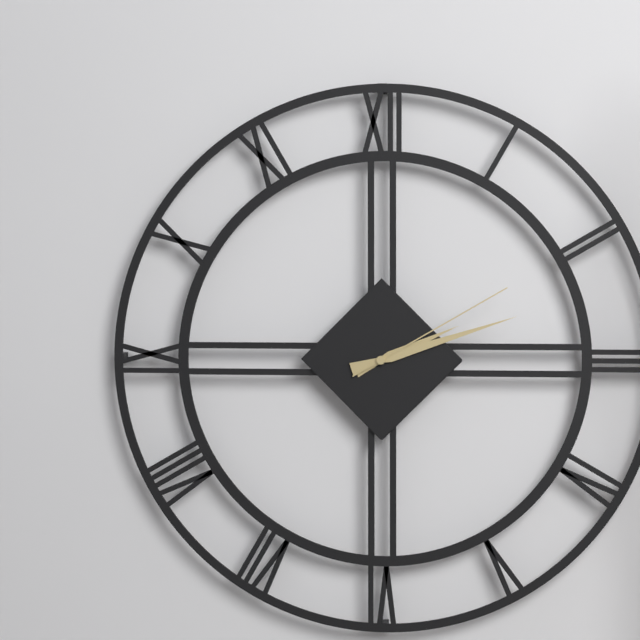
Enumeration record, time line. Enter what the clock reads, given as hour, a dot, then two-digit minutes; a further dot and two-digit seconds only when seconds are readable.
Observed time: 2.12.10
